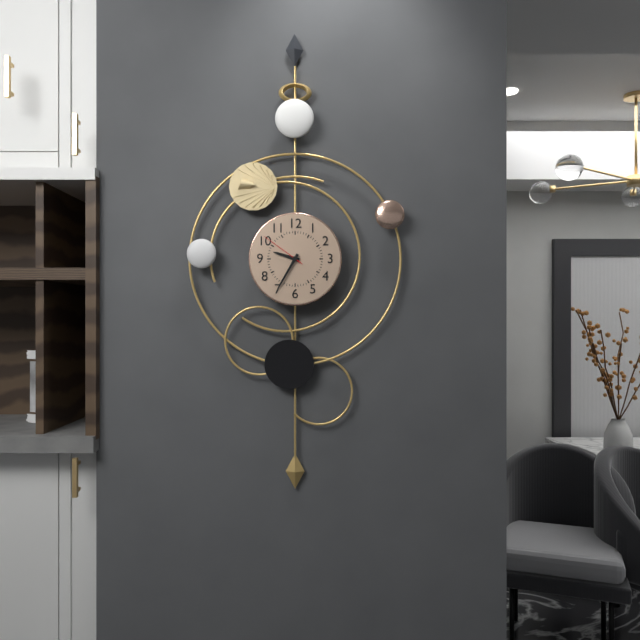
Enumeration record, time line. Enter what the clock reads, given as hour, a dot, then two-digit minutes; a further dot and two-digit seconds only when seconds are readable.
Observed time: 9.35
